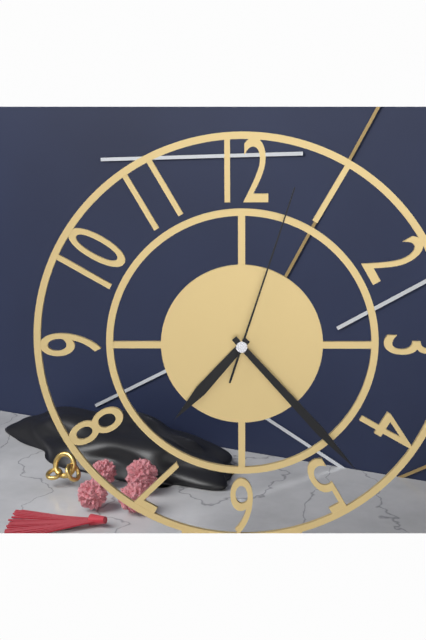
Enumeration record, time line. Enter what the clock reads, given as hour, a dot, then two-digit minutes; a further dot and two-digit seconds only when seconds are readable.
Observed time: 7.23.03
